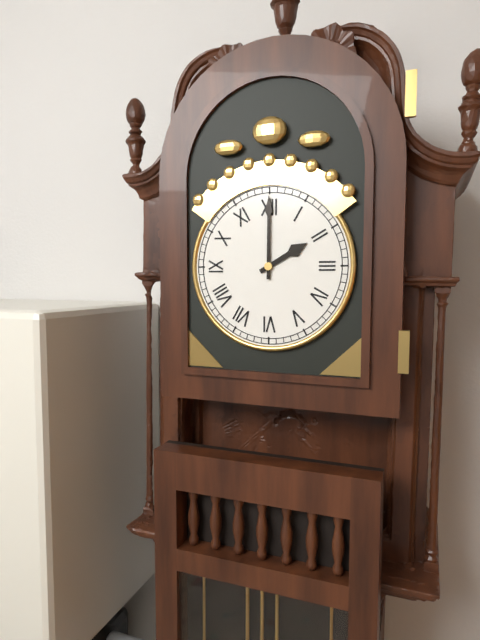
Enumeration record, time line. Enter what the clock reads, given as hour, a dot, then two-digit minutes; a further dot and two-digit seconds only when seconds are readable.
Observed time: 2.00
